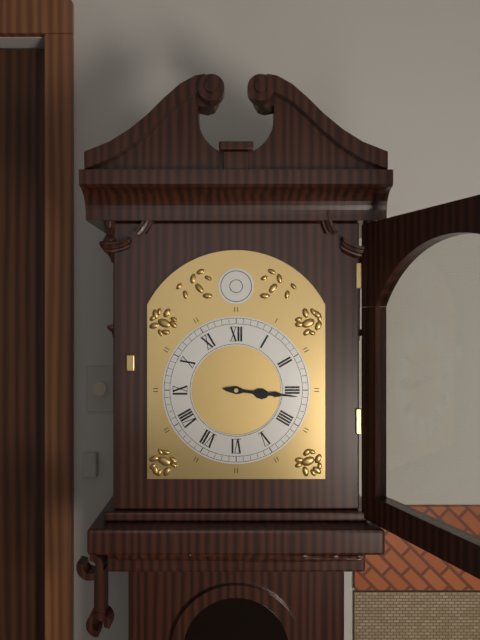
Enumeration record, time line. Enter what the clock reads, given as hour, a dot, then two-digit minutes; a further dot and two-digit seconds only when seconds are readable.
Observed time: 3.16
